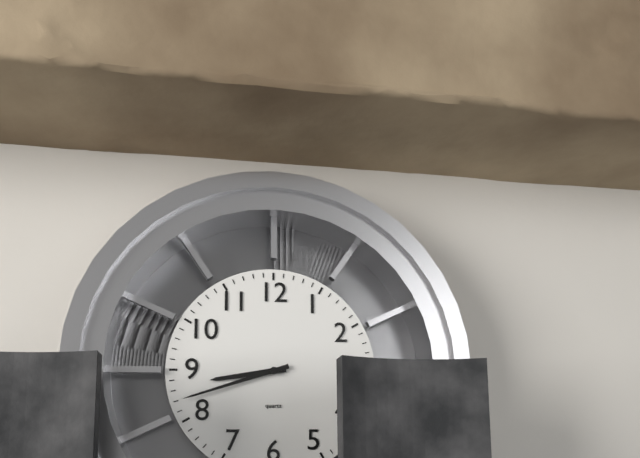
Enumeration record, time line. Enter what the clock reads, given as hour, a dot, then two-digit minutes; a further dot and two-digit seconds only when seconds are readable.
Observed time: 8.42
